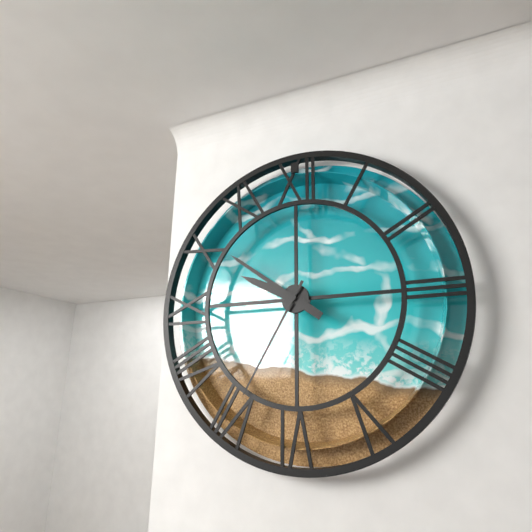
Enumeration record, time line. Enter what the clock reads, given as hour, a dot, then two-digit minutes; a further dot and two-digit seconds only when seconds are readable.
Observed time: 9.51.35
